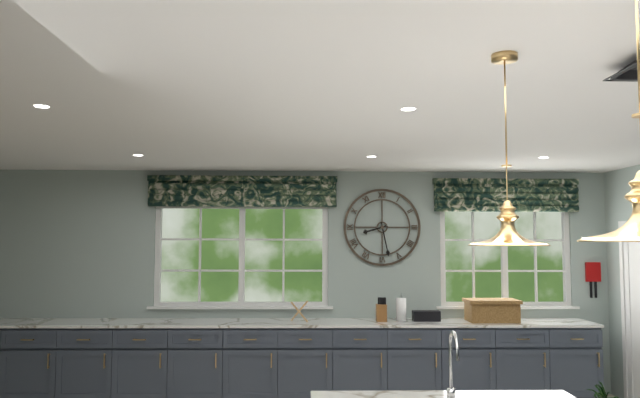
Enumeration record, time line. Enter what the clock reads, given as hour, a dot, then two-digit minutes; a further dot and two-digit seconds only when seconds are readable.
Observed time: 8.28
